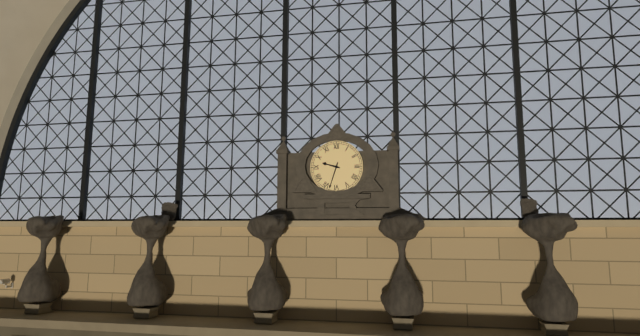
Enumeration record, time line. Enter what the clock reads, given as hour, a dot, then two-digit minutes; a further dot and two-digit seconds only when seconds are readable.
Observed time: 9.33
